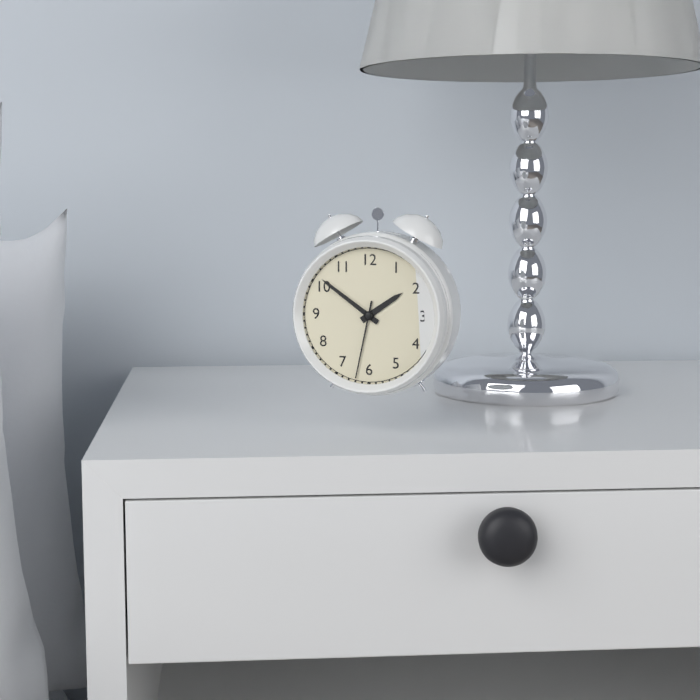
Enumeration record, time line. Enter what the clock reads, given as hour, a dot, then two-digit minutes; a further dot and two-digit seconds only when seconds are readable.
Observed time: 1.51.32
